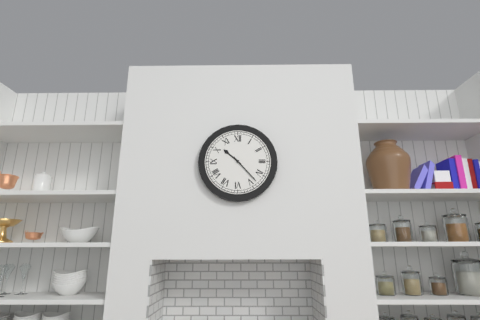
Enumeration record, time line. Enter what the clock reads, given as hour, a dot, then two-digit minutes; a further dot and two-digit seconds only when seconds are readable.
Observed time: 10.23
